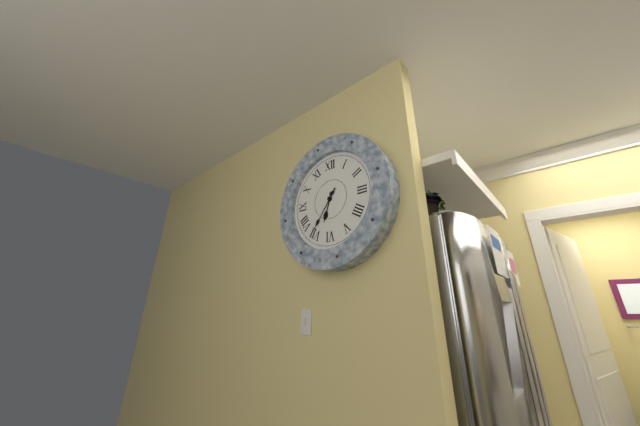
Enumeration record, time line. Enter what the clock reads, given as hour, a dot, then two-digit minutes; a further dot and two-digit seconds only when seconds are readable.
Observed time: 6.36
